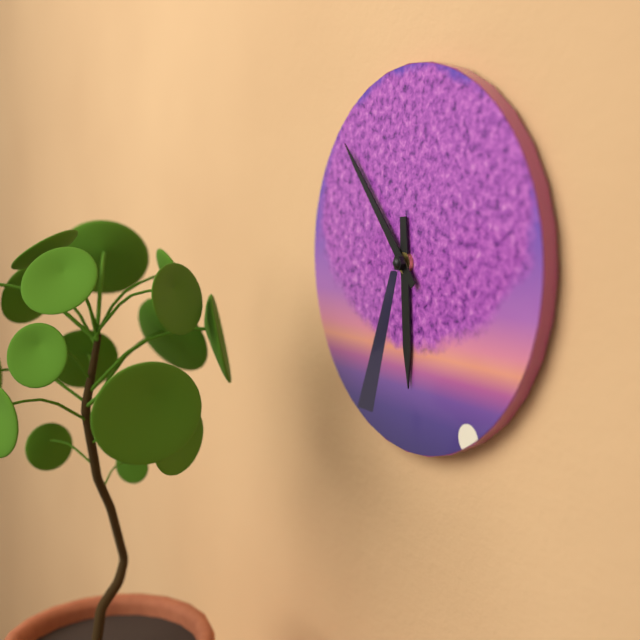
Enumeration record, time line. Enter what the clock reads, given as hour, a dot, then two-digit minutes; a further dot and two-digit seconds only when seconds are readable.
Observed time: 5.53
